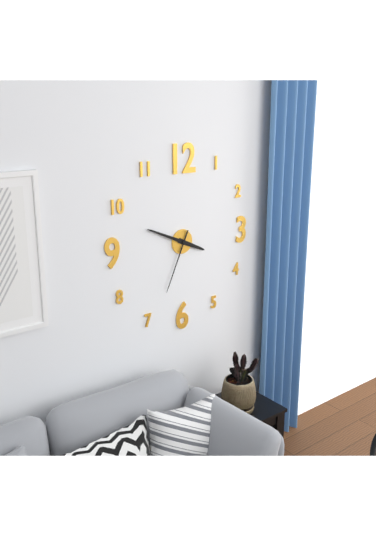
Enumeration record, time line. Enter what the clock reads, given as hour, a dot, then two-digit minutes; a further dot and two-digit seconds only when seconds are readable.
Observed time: 3.49.34
